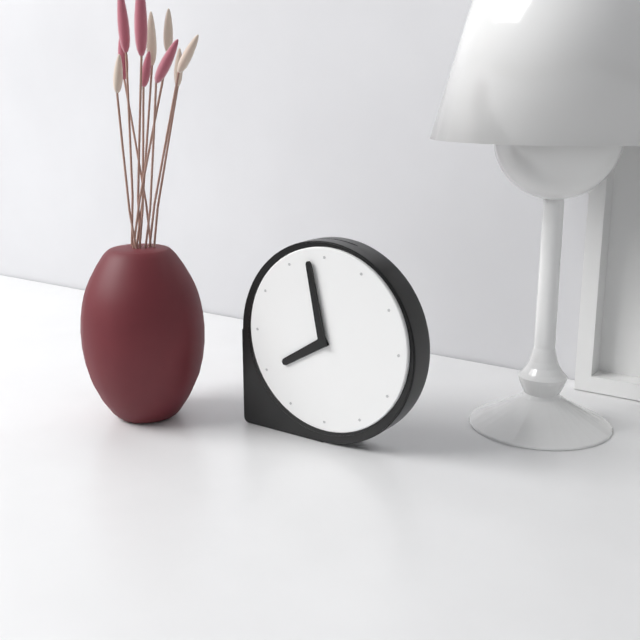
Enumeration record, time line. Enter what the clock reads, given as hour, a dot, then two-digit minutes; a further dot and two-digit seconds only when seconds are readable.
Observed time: 7.58
